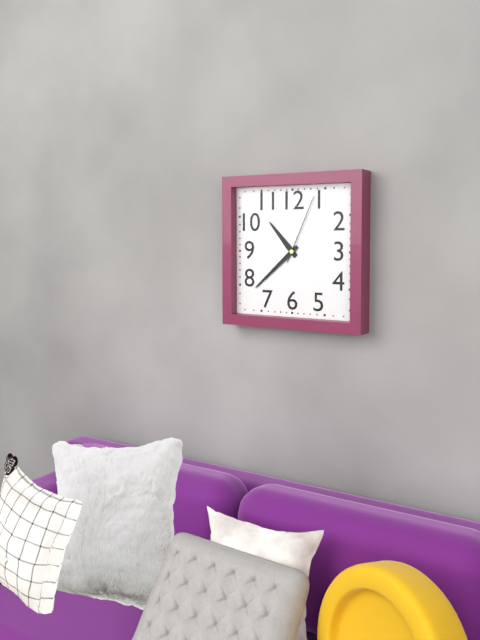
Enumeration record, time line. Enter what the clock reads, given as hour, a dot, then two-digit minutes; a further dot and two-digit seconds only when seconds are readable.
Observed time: 10.38.04
